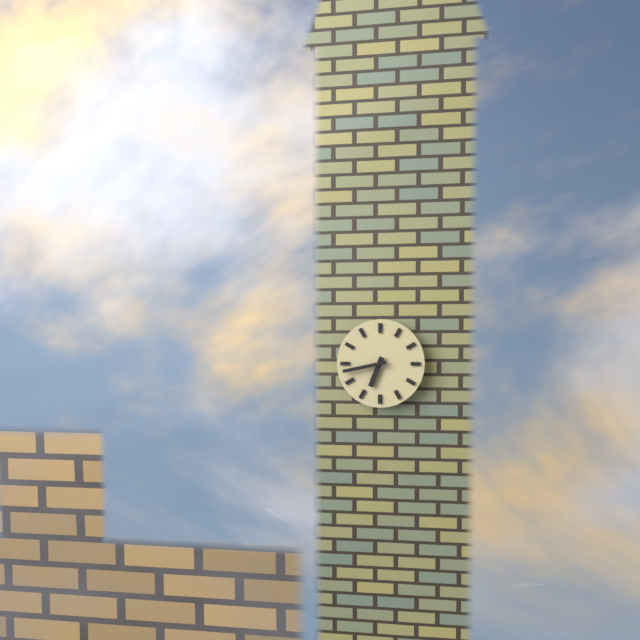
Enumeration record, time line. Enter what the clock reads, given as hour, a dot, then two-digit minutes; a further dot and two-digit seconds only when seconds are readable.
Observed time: 6.43
